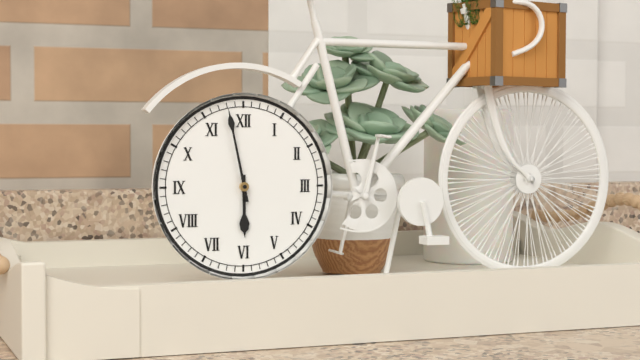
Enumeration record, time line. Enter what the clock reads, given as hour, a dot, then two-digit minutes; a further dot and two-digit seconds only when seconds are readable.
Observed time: 5.58
